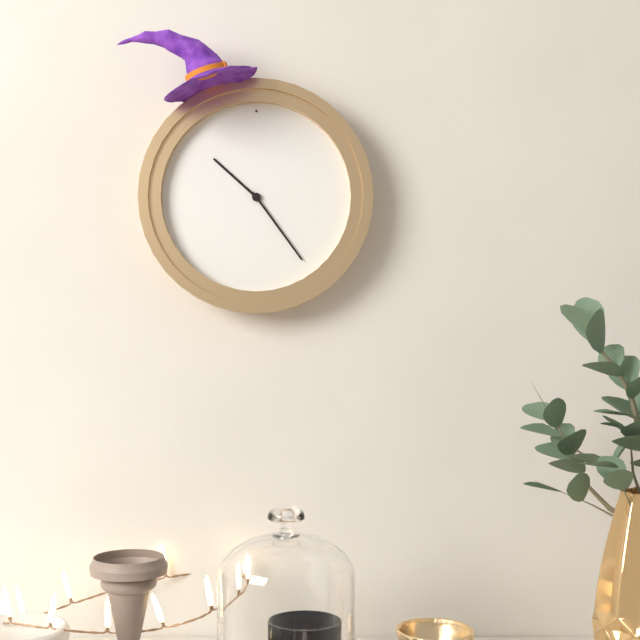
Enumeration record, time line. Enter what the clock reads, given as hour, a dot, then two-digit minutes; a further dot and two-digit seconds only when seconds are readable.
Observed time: 10.24
